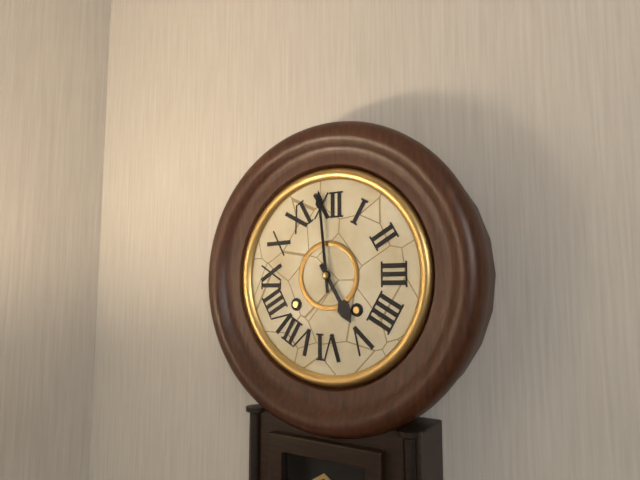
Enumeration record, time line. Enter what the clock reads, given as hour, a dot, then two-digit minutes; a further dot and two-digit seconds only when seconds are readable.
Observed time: 4.59
